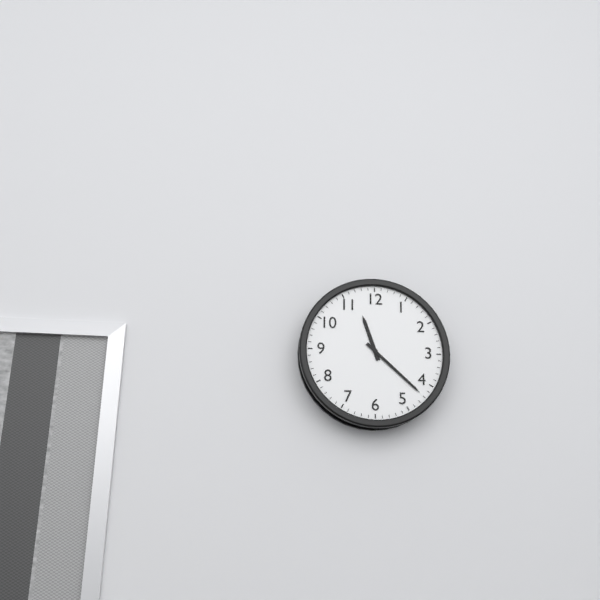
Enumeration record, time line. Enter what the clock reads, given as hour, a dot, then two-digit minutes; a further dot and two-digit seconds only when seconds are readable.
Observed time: 11.22
